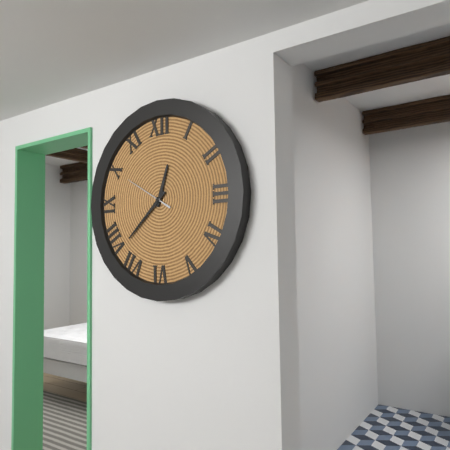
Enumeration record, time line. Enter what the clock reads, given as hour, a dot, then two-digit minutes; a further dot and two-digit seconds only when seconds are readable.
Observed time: 12.38.50
